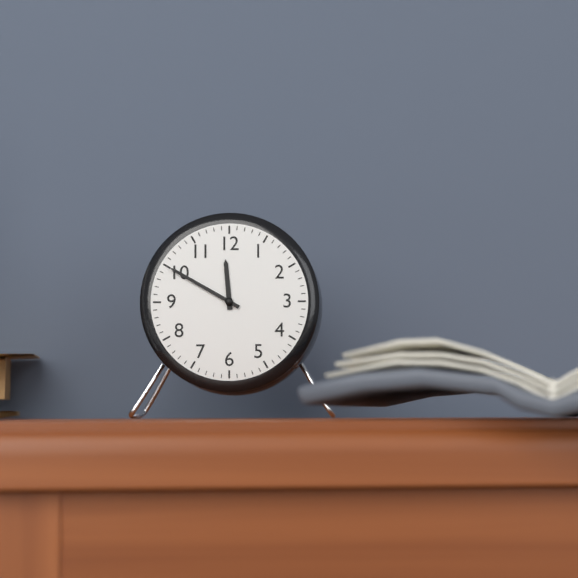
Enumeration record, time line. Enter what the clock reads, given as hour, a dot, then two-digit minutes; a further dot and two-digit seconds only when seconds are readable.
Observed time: 11.50
